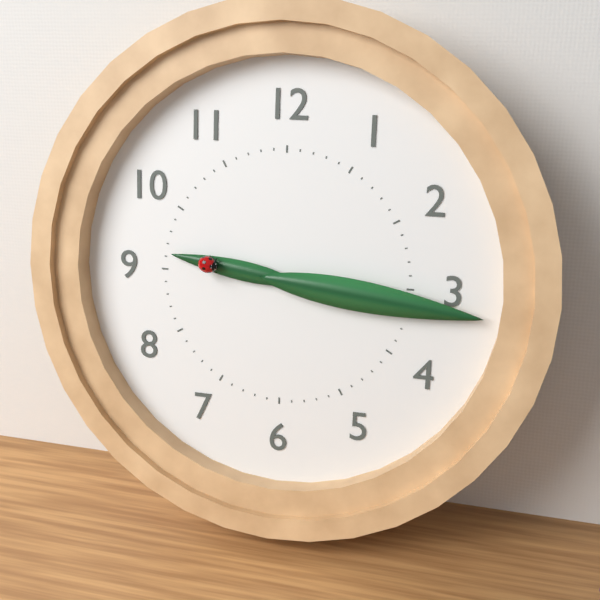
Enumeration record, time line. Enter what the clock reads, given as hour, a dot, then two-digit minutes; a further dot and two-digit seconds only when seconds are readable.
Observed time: 9.16
